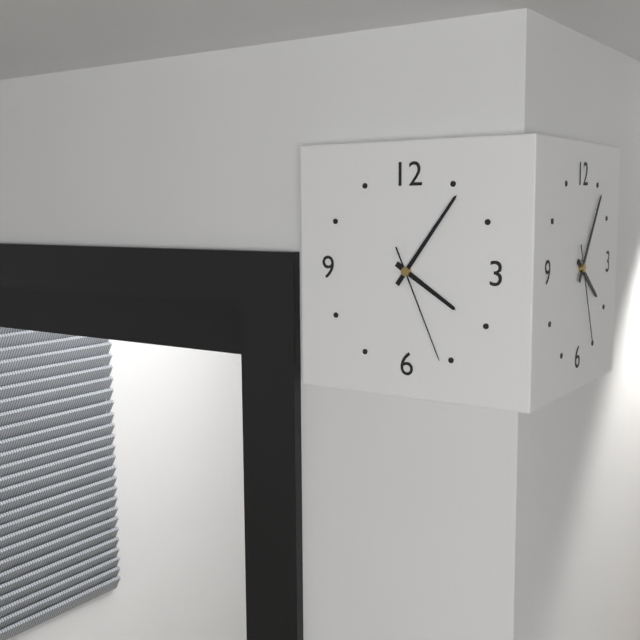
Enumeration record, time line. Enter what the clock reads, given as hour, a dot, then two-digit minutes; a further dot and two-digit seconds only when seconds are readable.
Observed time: 4.06.26
